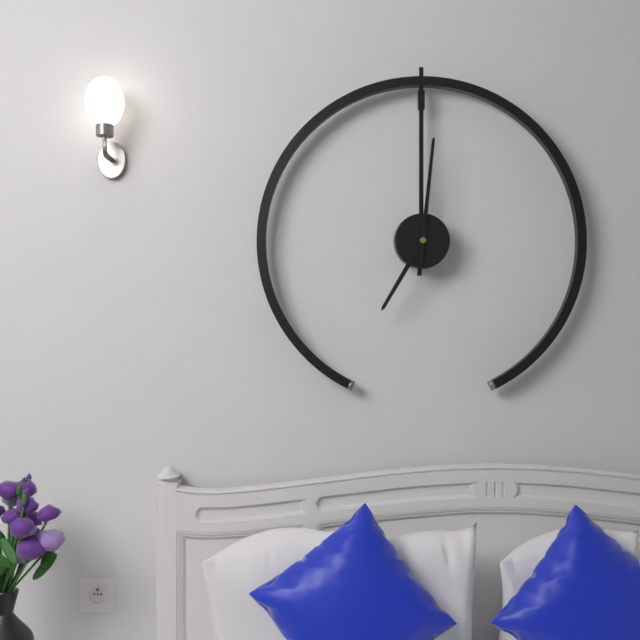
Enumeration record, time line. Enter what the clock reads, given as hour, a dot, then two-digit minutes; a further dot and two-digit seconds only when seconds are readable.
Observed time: 7.01
